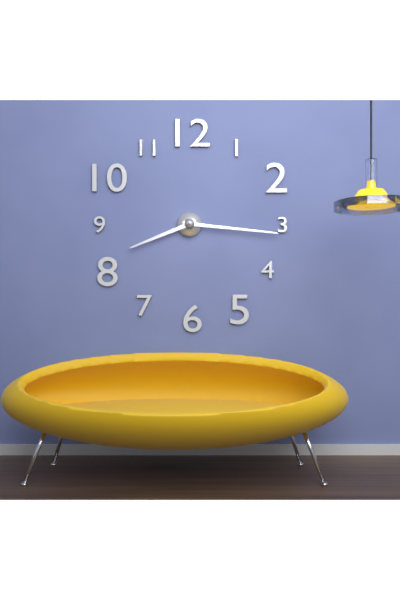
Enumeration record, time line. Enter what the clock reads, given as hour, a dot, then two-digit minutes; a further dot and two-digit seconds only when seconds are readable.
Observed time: 8.16
